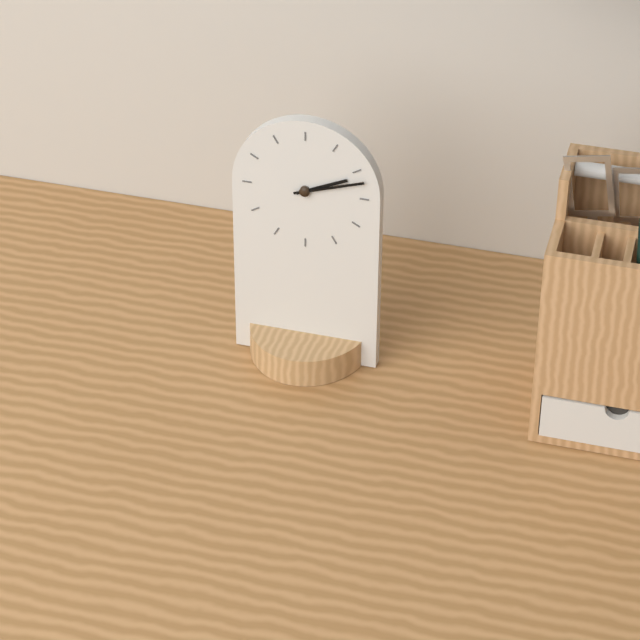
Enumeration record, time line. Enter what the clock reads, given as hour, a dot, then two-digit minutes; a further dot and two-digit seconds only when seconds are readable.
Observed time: 2.12
